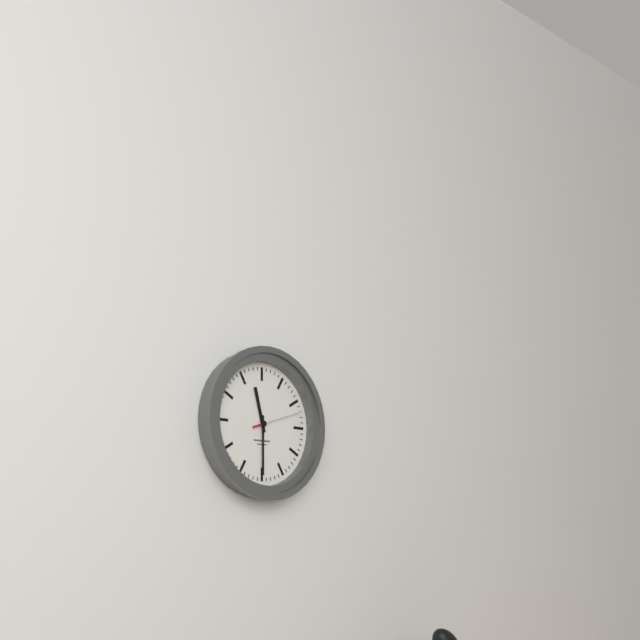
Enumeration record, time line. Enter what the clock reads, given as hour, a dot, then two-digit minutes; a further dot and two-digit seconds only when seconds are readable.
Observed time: 11.30
